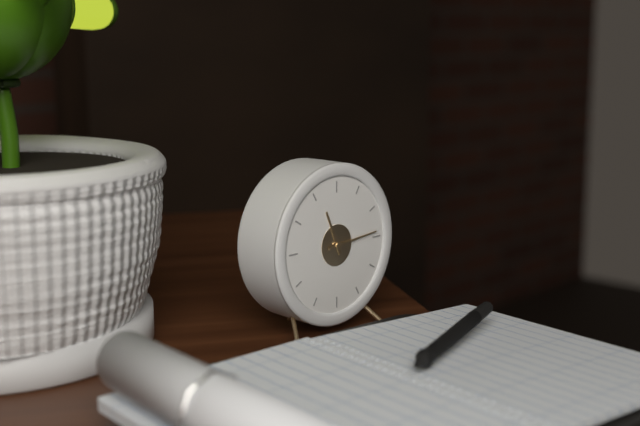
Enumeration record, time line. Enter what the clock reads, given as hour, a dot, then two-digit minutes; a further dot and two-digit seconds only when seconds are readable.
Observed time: 11.14
